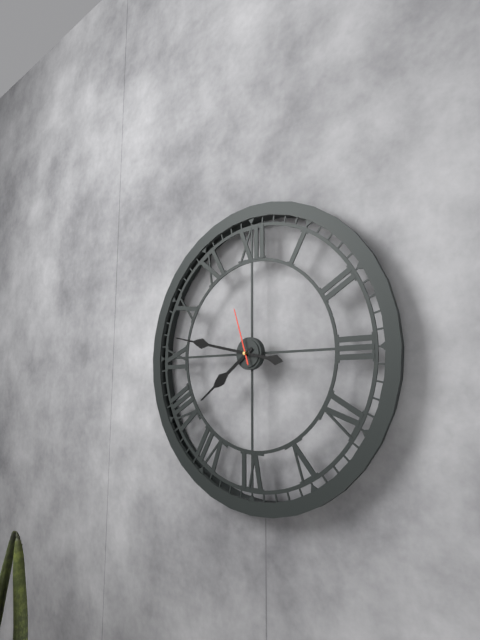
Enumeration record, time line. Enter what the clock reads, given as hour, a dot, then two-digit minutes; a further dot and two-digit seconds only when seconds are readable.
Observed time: 7.47.57
